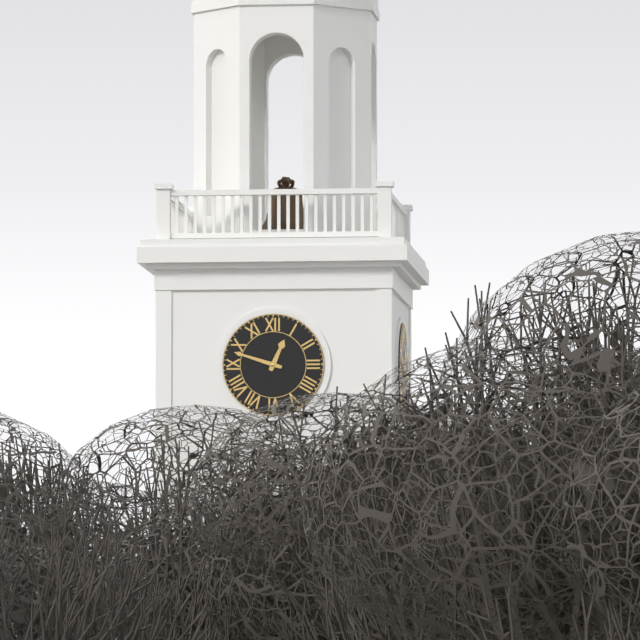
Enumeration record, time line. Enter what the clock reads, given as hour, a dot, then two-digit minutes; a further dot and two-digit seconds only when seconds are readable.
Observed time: 12.48
